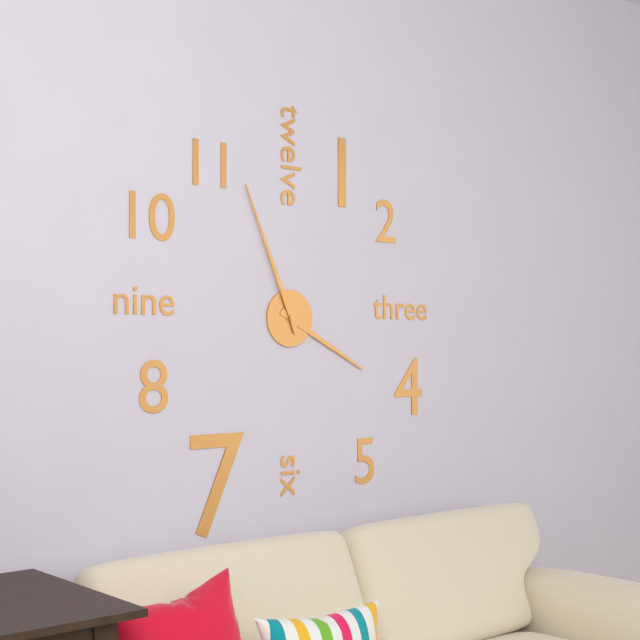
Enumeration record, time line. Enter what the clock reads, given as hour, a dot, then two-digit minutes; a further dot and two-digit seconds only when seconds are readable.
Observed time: 3.56
